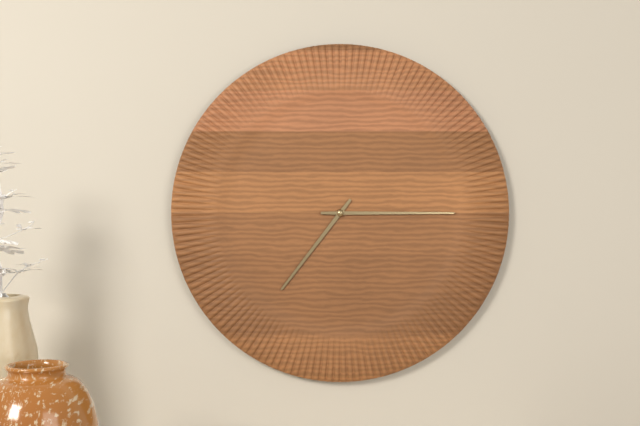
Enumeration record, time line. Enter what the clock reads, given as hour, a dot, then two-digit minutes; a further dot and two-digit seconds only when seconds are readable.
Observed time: 7.15
